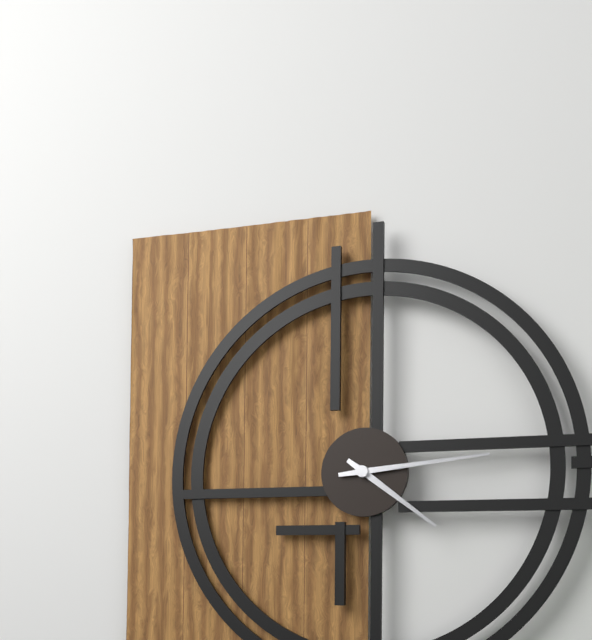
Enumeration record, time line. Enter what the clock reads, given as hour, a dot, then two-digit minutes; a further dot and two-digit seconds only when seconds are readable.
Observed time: 4.14
